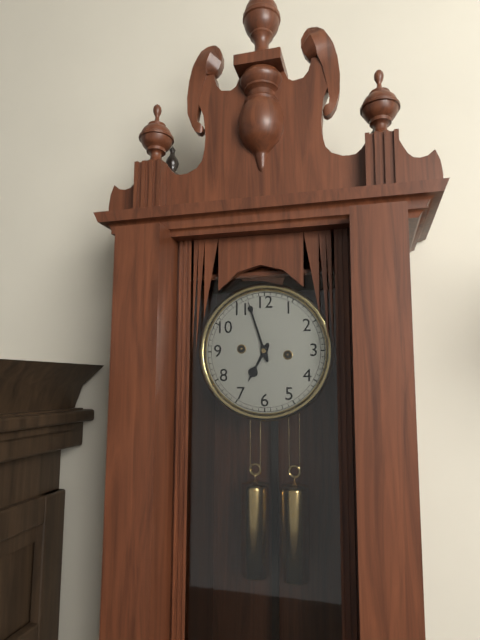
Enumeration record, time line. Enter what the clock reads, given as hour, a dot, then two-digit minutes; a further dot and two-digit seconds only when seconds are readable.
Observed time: 6.57
